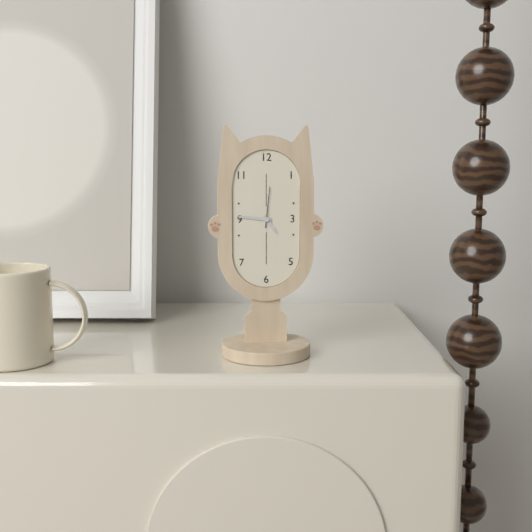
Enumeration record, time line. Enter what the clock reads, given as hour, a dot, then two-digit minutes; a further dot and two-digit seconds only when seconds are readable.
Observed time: 4.46
